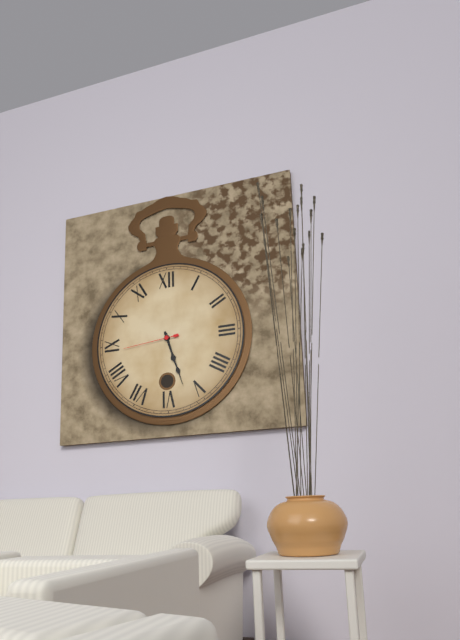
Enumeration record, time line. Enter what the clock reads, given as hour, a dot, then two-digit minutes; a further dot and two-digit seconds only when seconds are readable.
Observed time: 5.27.44
